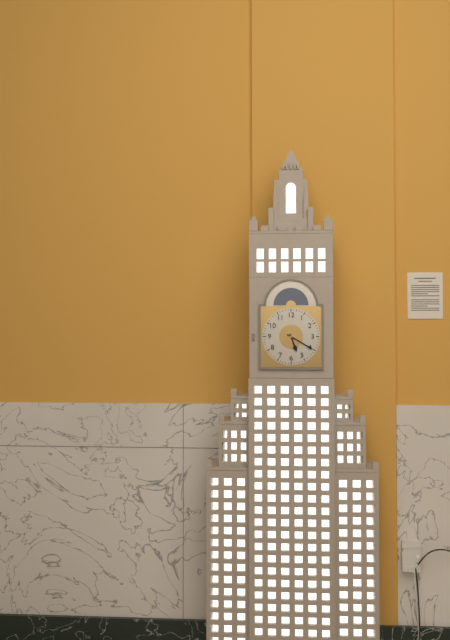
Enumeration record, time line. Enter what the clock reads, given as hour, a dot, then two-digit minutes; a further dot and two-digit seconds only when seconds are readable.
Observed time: 5.20
